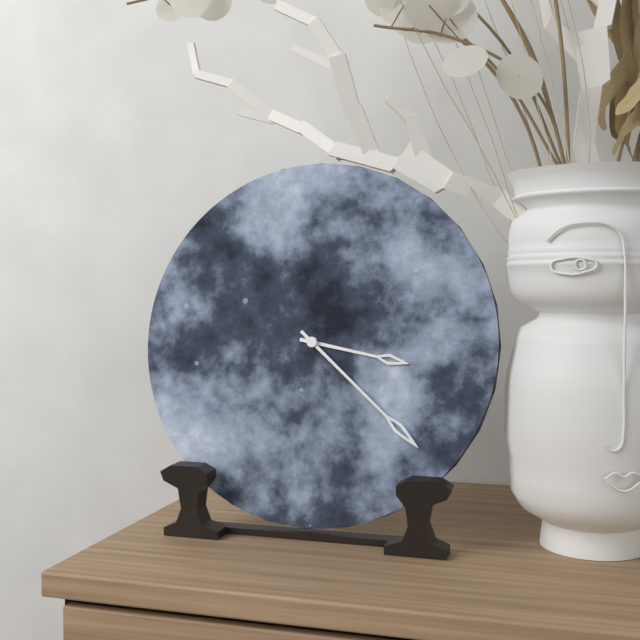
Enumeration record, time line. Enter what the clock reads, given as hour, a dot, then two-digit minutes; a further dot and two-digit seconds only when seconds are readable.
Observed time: 3.22
